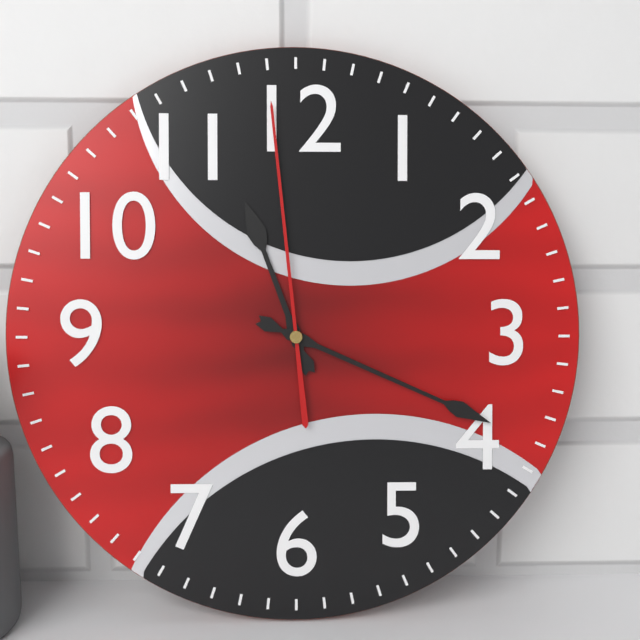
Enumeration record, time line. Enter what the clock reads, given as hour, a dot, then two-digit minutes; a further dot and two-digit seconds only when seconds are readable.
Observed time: 11.19.59
